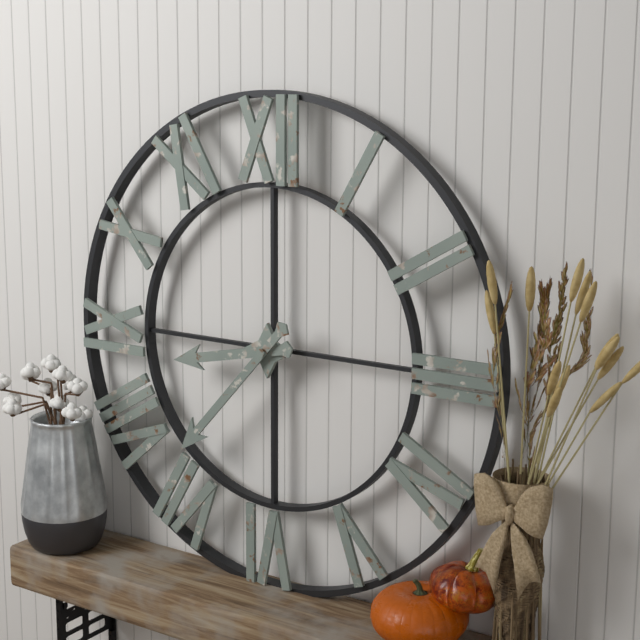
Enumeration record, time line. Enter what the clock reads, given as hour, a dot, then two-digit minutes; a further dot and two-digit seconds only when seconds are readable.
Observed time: 8.37
